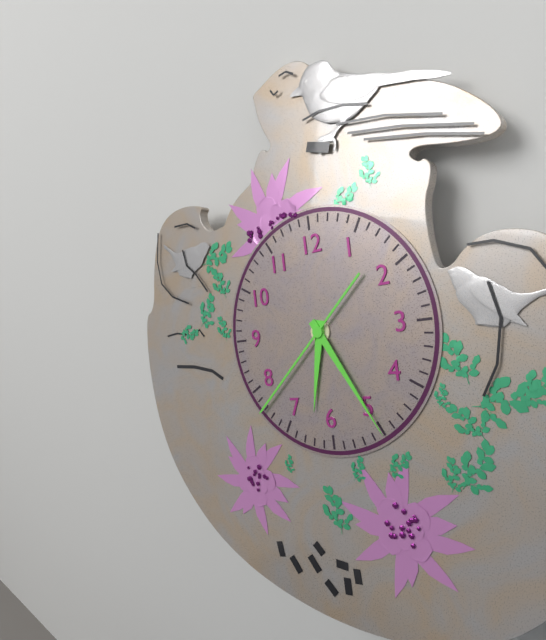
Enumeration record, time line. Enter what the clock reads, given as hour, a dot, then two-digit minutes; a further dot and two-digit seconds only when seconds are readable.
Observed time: 6.25.38
